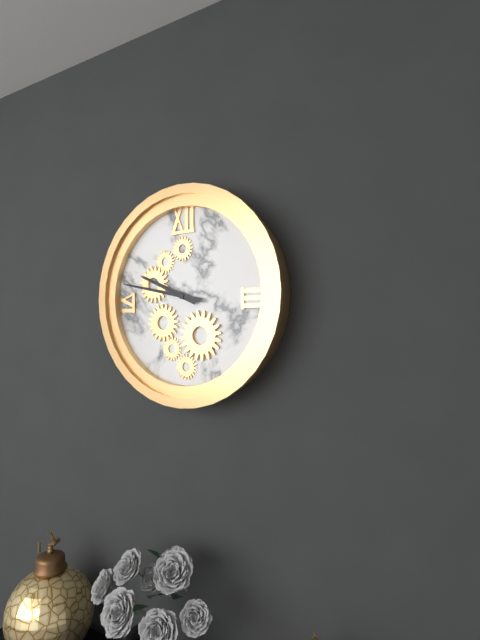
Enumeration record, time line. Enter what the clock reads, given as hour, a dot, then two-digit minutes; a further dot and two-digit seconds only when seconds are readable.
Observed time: 9.47
